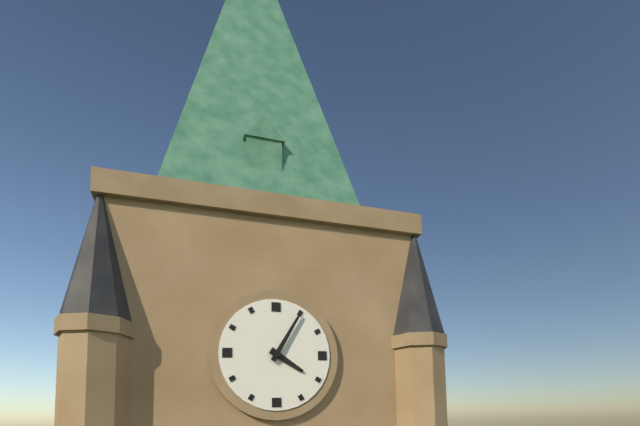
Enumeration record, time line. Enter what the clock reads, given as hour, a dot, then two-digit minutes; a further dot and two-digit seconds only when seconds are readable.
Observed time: 4.05
